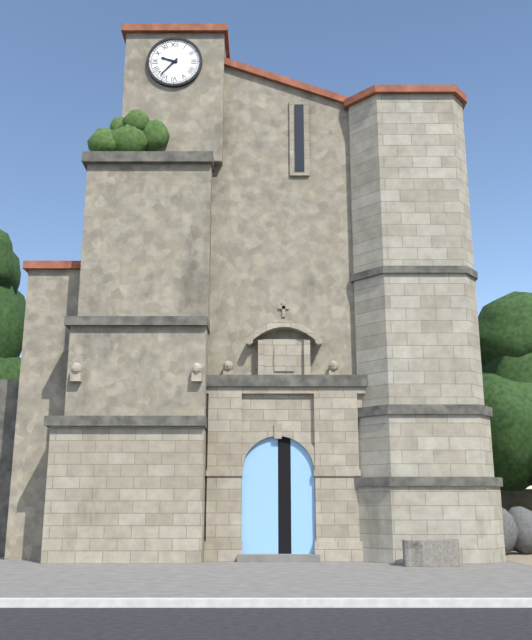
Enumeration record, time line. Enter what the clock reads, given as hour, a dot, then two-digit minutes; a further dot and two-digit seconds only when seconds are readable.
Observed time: 9.37
